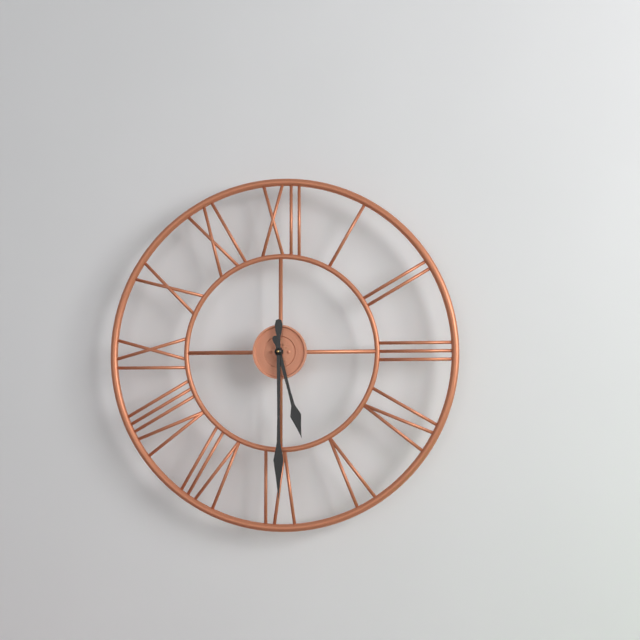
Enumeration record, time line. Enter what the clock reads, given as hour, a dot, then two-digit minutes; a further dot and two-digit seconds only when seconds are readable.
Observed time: 5.30
